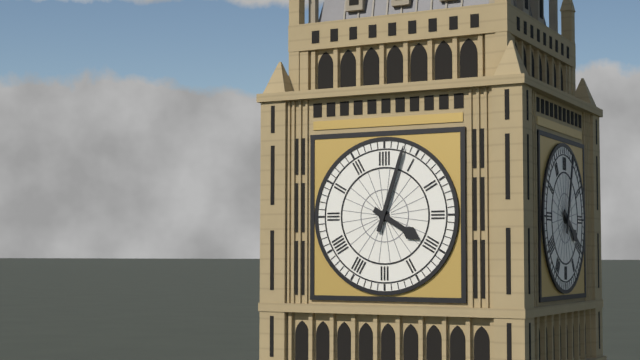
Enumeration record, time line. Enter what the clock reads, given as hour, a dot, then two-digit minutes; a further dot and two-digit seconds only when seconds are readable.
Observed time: 4.03
